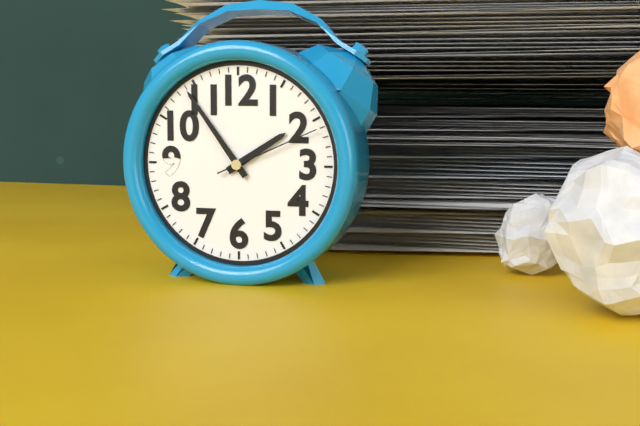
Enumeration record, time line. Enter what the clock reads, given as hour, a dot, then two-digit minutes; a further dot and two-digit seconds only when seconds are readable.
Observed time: 1.54.11
